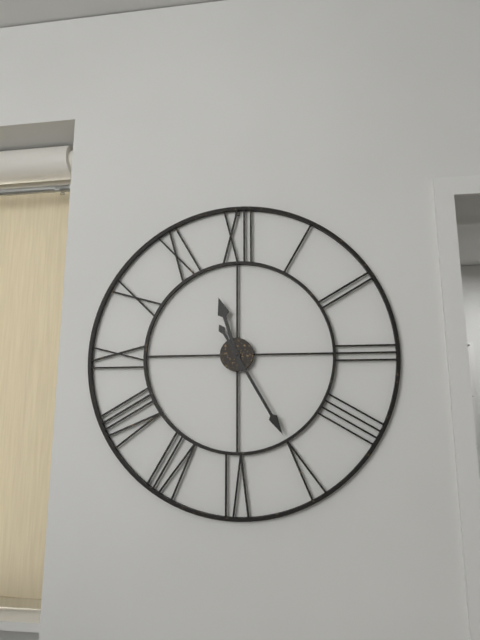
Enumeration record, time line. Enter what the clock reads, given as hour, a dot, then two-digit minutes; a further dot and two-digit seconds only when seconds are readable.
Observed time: 11.25
